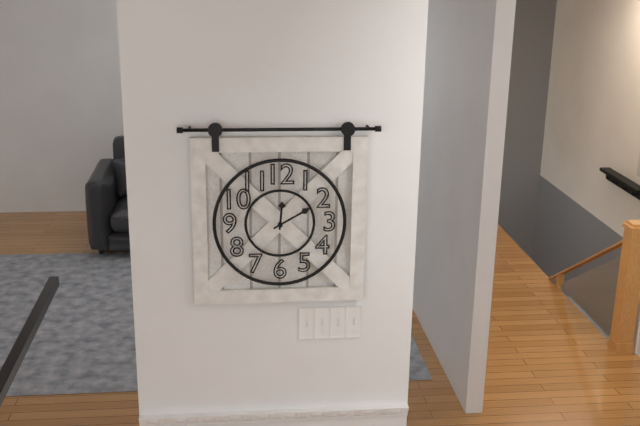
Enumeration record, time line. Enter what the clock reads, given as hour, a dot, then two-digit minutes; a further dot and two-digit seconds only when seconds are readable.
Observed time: 12.10
